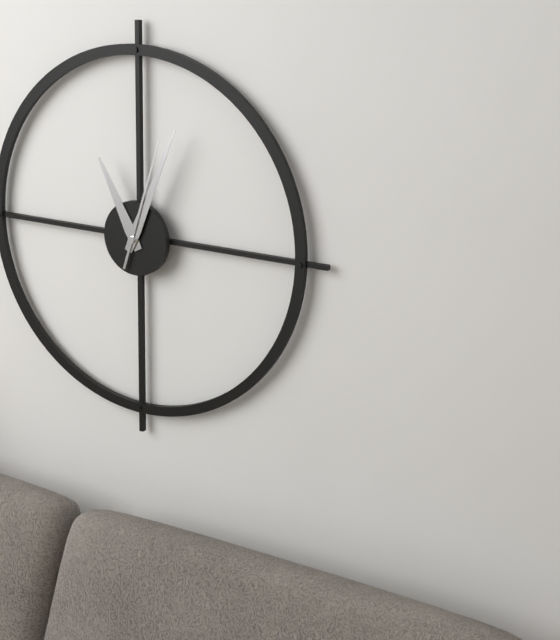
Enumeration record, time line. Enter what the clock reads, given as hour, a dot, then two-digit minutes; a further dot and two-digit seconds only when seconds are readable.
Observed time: 11.04.03
